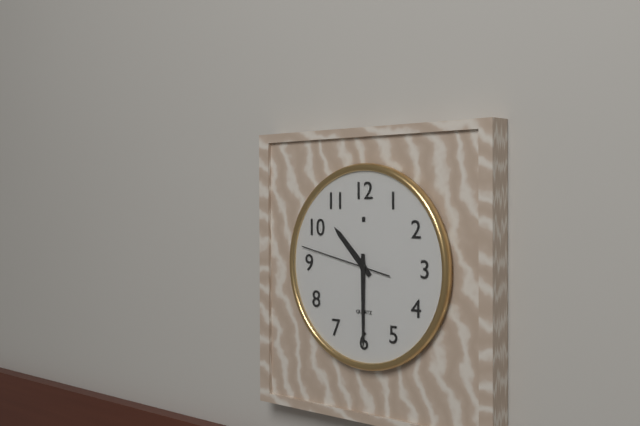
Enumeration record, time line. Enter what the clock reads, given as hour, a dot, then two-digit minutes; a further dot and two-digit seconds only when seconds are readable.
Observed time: 10.30.47
